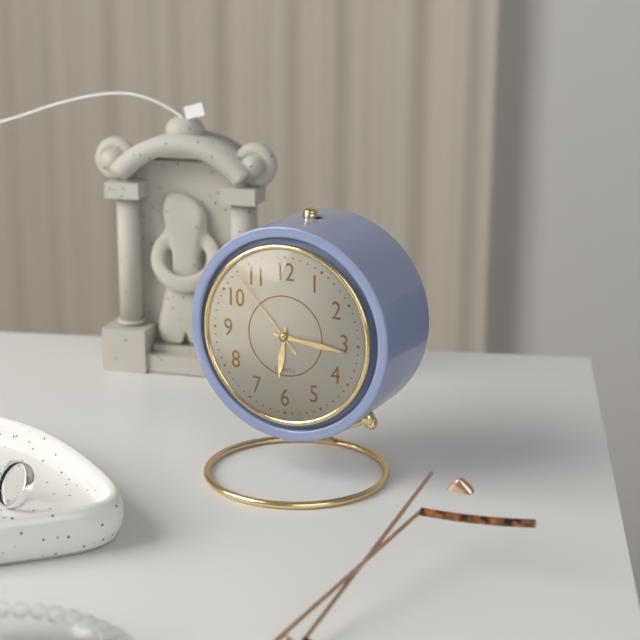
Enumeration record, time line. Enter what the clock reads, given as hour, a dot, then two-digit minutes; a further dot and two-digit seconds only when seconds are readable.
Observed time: 6.16.53
